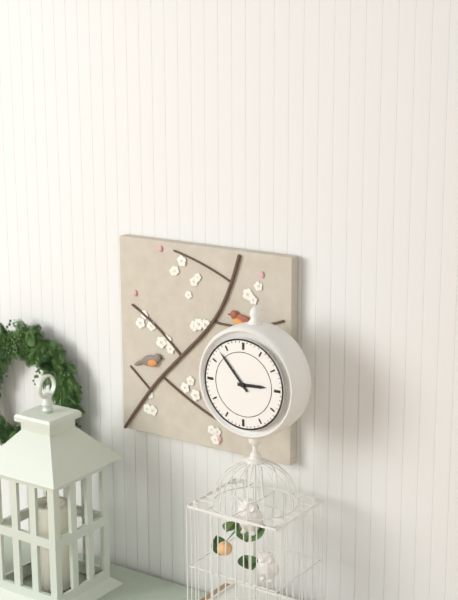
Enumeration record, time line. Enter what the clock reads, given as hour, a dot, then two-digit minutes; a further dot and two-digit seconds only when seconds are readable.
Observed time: 2.53
